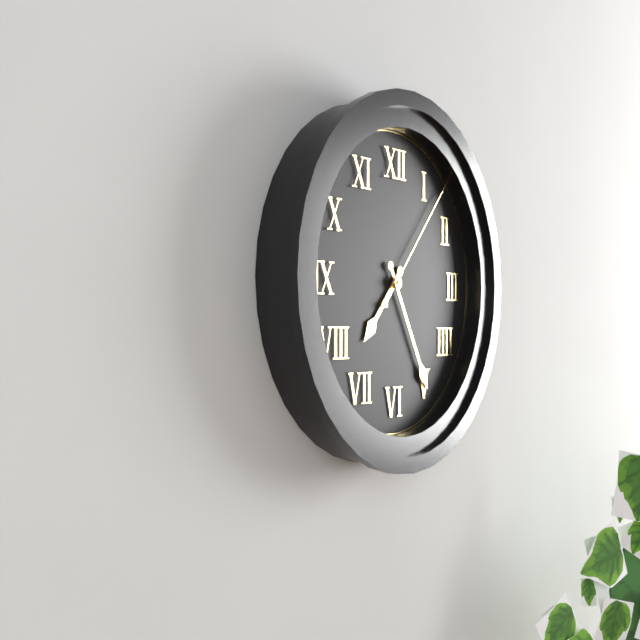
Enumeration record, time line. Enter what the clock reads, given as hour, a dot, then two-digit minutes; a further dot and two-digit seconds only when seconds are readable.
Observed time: 7.25.07
